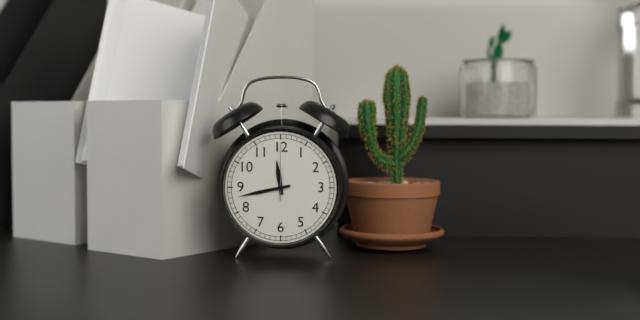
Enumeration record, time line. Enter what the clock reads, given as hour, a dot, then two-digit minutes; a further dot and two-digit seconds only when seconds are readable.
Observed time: 11.43.00
